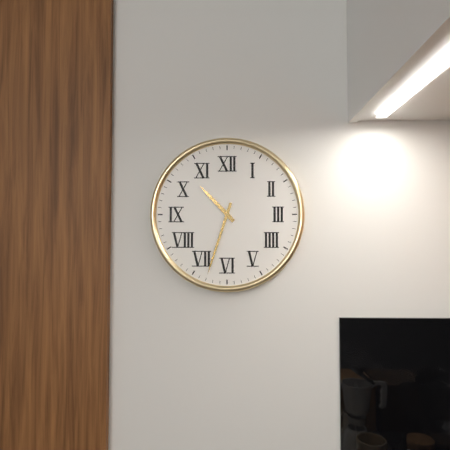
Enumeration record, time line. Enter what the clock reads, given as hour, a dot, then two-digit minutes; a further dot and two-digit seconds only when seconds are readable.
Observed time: 10.33
